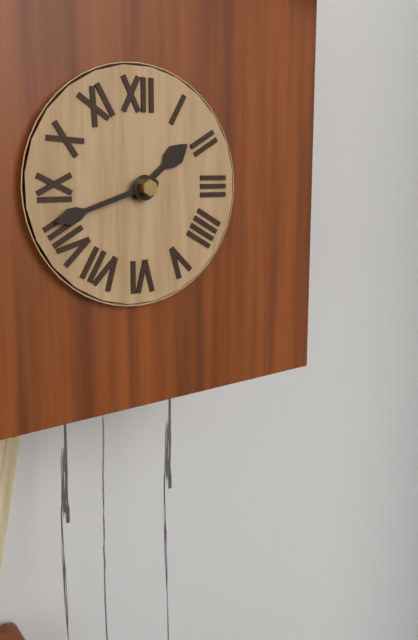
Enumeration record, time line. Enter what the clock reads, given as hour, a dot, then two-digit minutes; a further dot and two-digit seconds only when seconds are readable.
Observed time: 1.42
